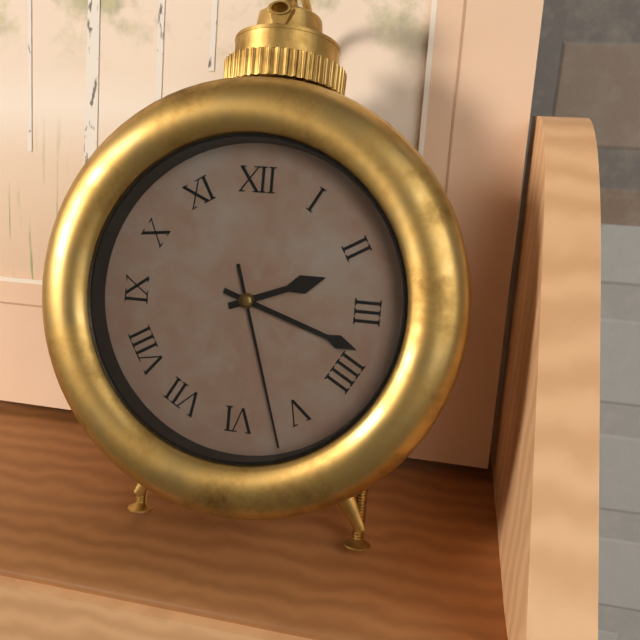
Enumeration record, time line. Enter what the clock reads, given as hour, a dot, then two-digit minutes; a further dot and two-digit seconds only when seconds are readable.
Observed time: 2.18.27
